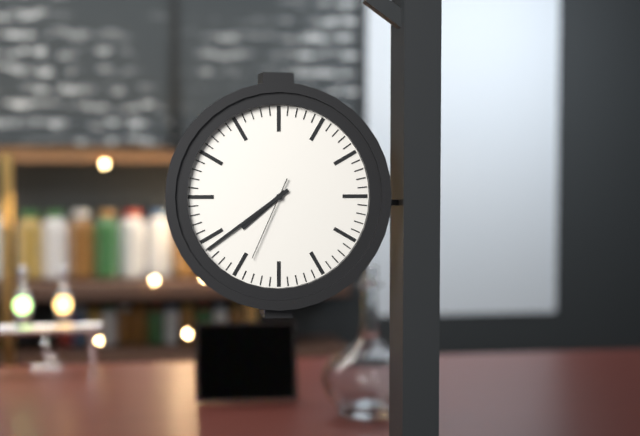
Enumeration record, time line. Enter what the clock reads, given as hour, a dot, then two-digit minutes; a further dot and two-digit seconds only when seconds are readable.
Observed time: 7.39.34
